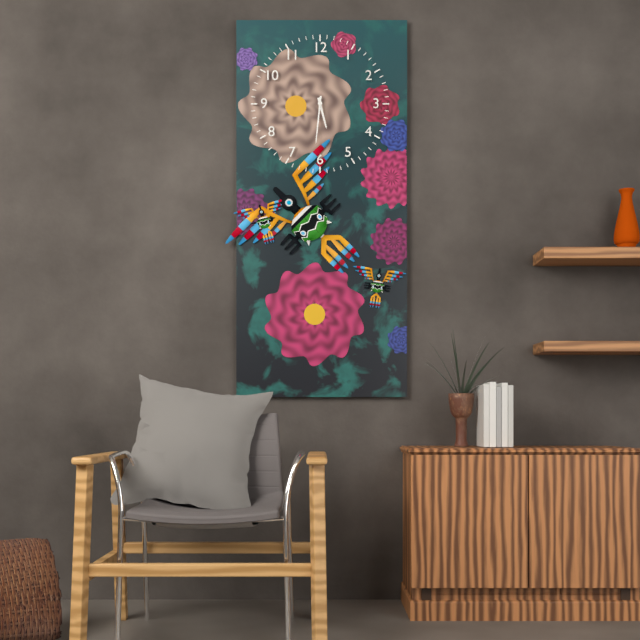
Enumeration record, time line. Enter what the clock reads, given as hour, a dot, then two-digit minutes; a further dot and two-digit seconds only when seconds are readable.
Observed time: 5.31
